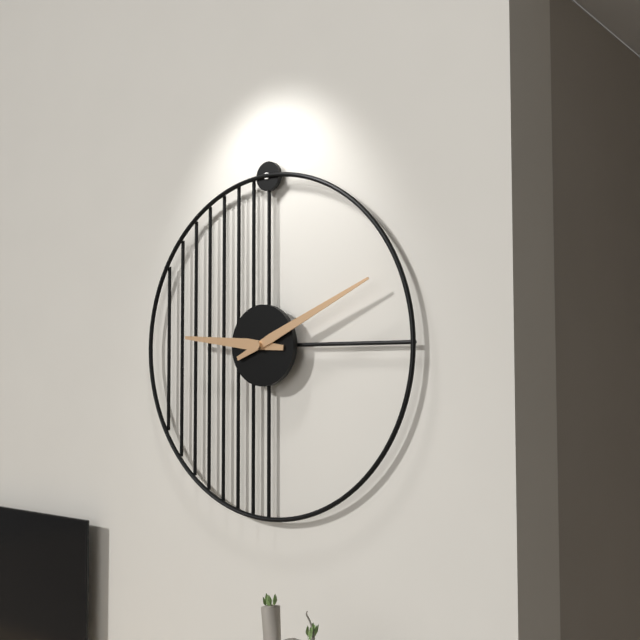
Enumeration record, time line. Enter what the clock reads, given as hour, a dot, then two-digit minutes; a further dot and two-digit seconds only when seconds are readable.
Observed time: 9.11
